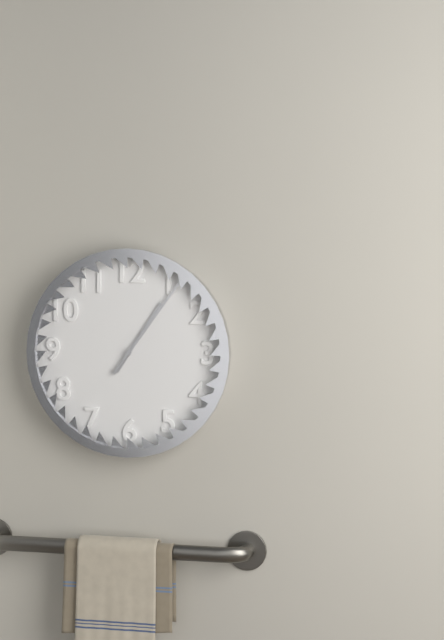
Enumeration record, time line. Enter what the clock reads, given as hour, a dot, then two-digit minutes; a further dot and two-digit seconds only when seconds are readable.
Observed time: 1.06
